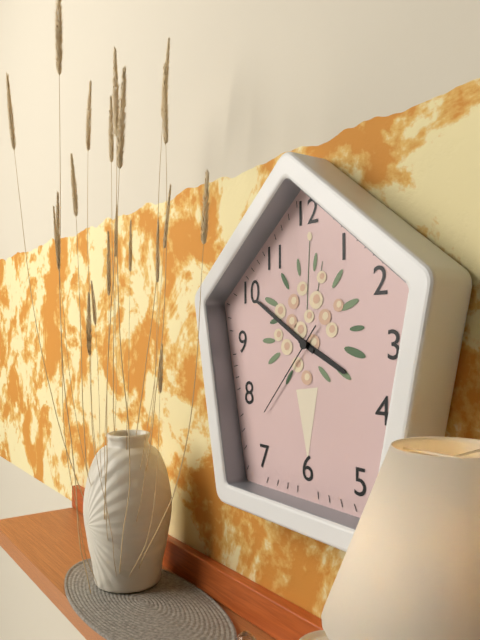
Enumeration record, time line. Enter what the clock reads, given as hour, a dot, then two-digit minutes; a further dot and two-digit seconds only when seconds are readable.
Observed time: 3.50.37
